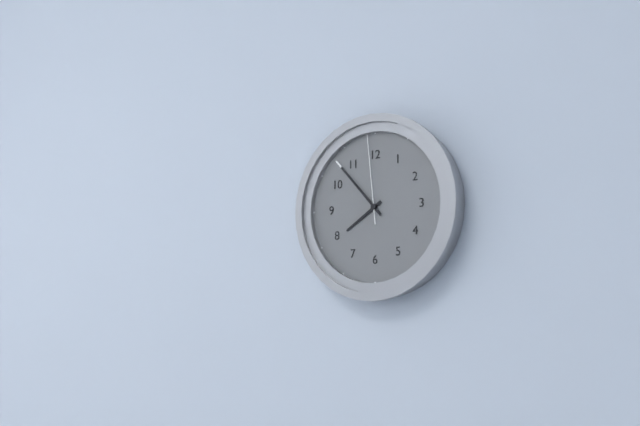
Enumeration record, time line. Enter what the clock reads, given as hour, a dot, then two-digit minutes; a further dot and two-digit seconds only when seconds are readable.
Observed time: 7.53.59
